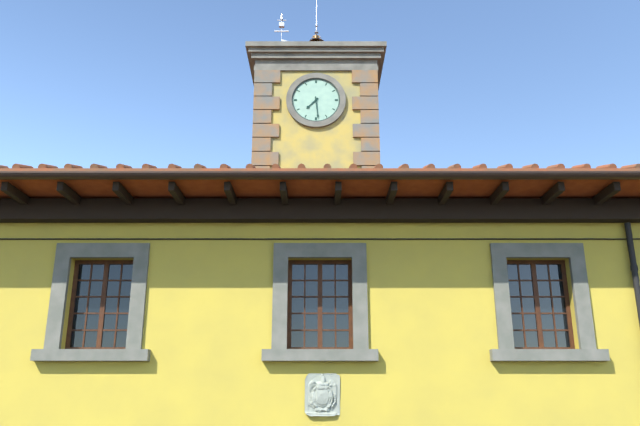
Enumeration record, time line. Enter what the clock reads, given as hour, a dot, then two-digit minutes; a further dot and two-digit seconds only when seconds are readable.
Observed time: 7.29
